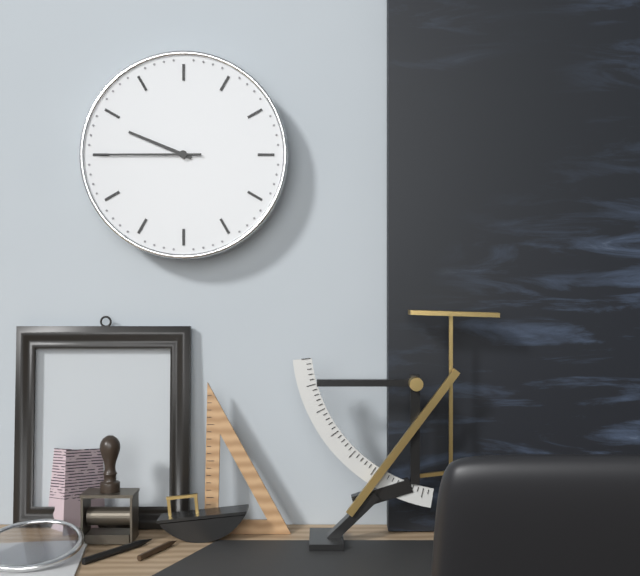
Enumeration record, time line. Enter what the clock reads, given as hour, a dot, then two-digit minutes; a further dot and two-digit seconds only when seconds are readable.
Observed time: 9.45
